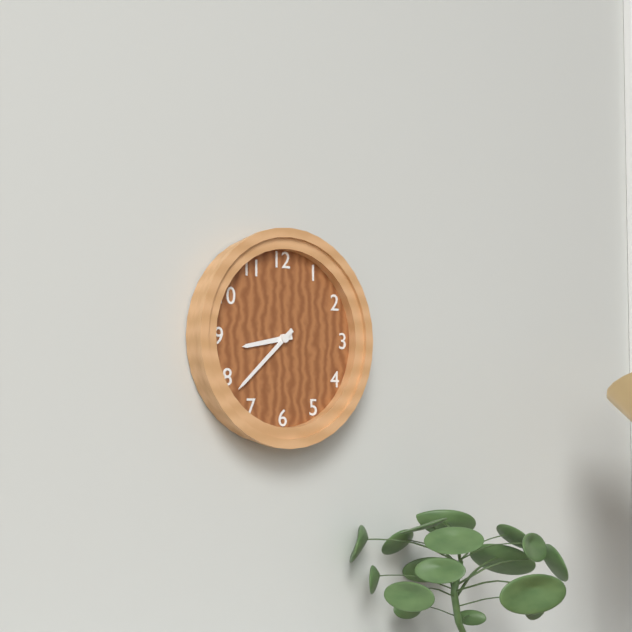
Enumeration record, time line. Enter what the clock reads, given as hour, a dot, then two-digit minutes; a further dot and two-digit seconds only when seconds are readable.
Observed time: 8.38
